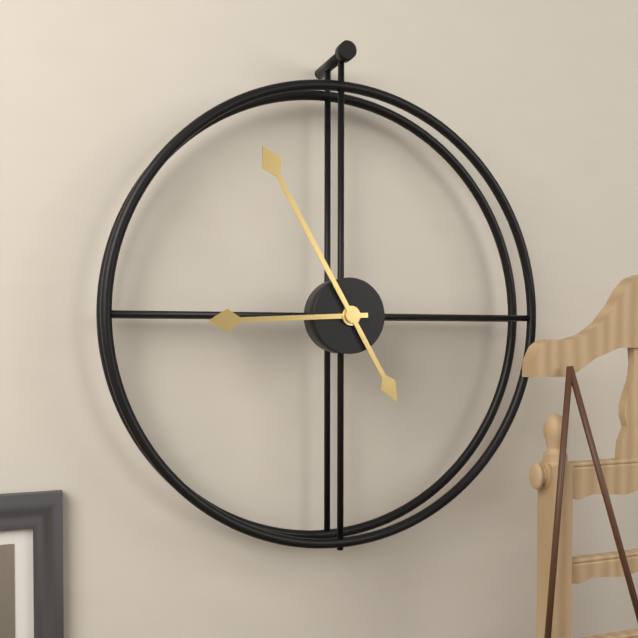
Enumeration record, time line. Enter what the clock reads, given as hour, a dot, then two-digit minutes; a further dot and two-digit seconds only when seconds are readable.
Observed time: 8.55
